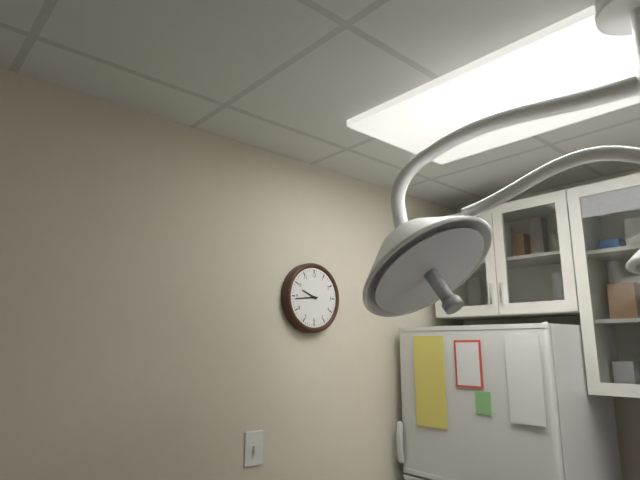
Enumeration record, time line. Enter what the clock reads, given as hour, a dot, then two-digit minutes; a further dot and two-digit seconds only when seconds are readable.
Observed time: 9.44
